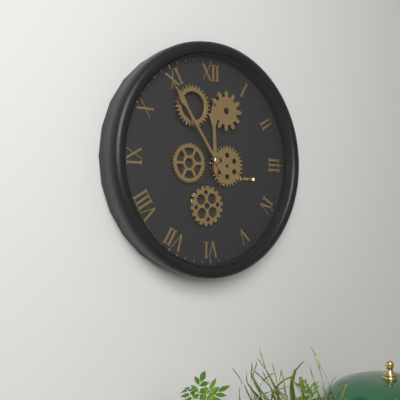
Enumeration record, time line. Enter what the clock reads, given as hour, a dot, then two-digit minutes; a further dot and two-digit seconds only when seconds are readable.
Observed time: 11.54
